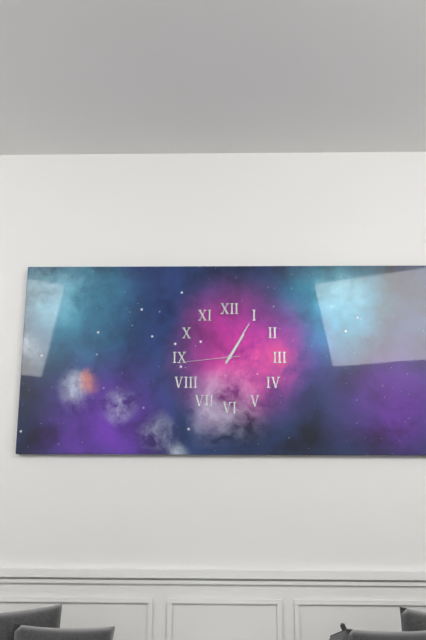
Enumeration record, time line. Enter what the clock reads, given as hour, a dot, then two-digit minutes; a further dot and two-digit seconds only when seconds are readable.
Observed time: 1.05.44
